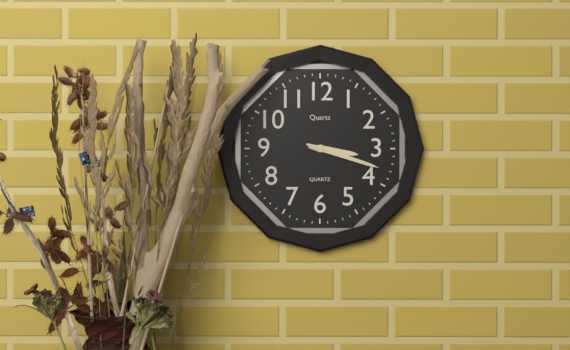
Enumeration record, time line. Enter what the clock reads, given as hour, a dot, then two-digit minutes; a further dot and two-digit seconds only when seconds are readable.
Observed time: 3.18
